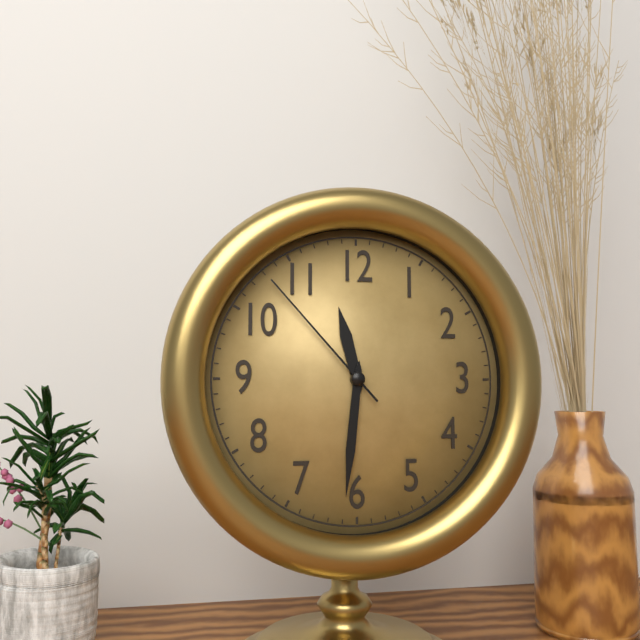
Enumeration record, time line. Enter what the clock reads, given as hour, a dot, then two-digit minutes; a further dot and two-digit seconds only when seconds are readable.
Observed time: 11.31.53
